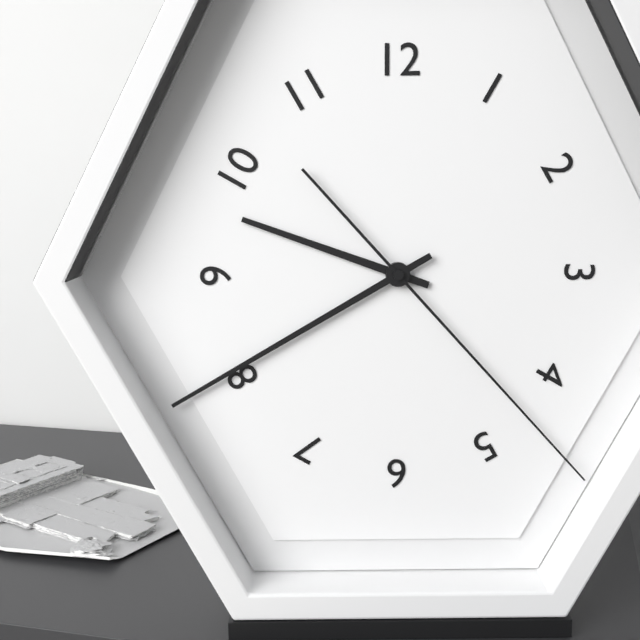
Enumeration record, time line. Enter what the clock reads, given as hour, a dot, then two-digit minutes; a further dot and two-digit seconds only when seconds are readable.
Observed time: 9.40.23
